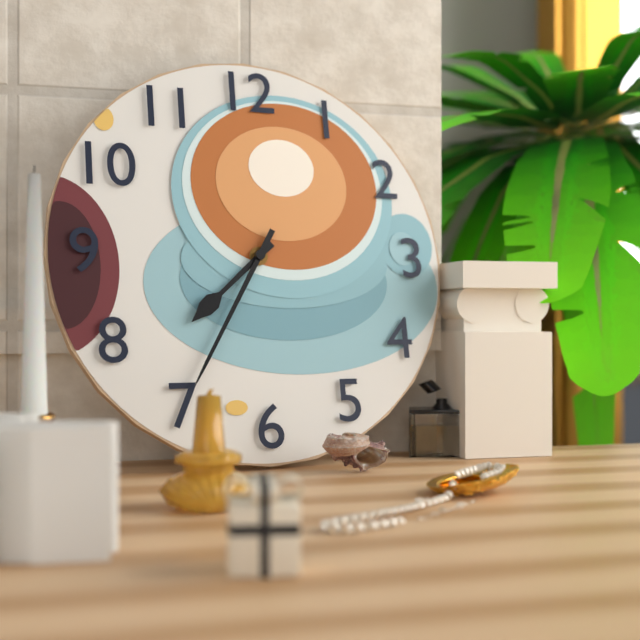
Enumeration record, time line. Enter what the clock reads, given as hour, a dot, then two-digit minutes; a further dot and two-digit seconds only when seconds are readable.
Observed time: 7.35
